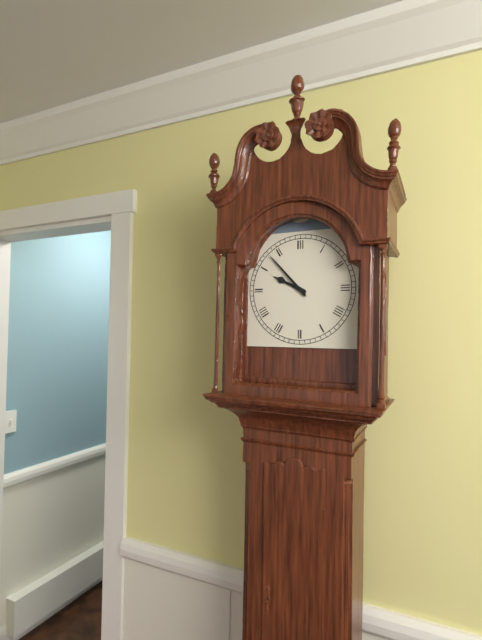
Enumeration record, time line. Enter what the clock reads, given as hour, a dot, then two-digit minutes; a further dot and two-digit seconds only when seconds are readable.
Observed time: 9.53
